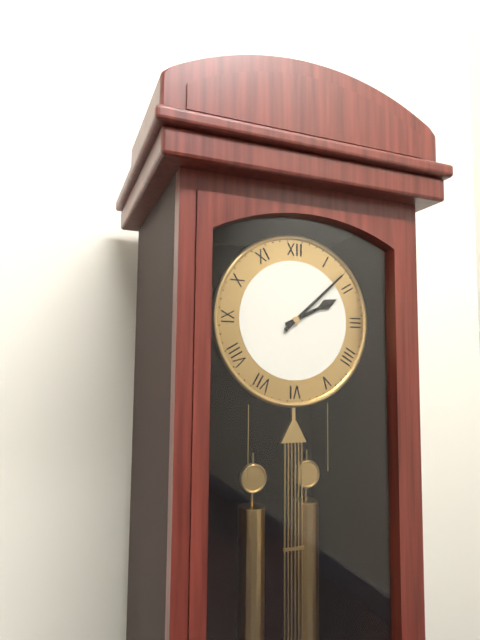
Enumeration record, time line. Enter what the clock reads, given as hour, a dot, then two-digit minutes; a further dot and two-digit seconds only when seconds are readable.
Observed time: 2.08
